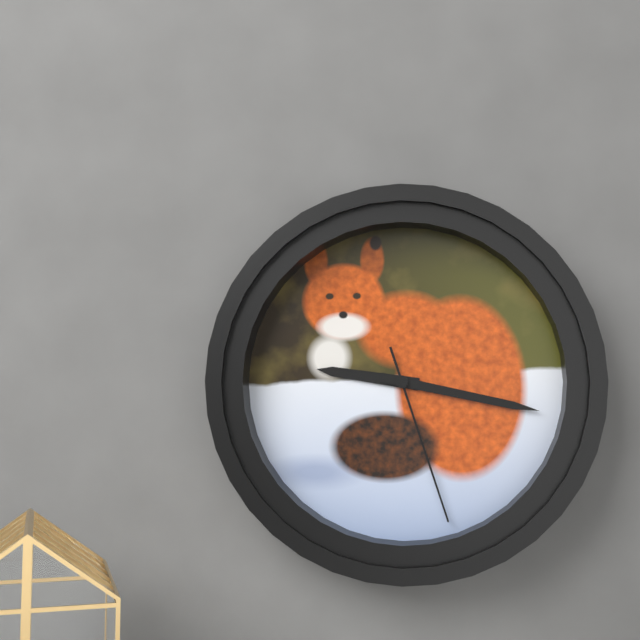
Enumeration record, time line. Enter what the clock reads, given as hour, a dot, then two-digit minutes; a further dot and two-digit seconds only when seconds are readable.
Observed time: 9.17.27
